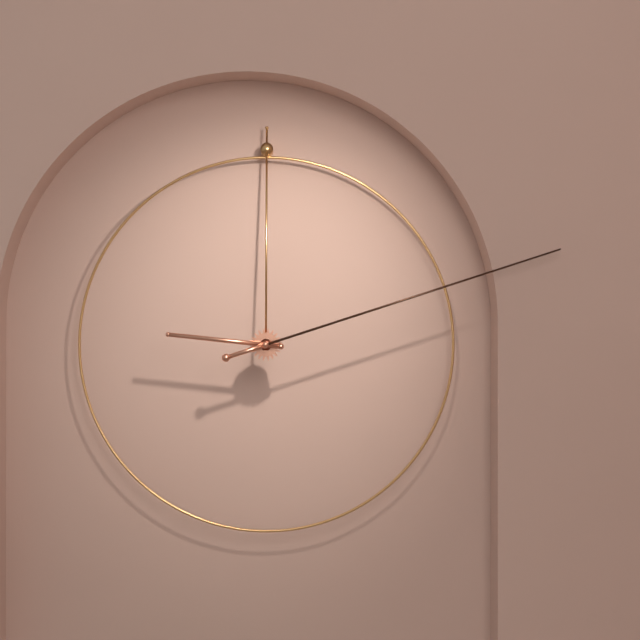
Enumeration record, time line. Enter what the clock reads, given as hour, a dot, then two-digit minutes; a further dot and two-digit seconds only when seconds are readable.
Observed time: 9.12
